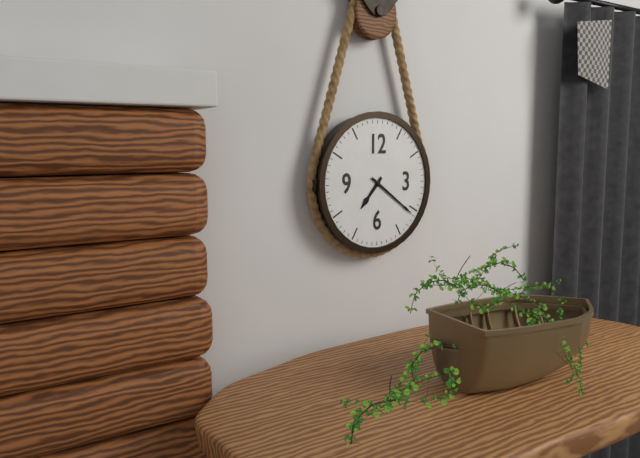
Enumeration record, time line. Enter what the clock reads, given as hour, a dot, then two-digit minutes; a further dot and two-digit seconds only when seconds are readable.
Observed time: 7.21
